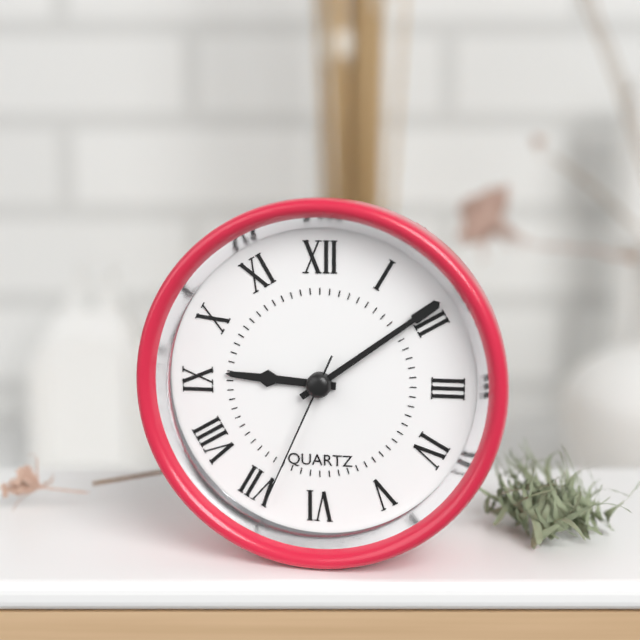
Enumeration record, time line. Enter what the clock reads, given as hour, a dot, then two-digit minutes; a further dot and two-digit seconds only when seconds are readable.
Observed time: 9.09.34
